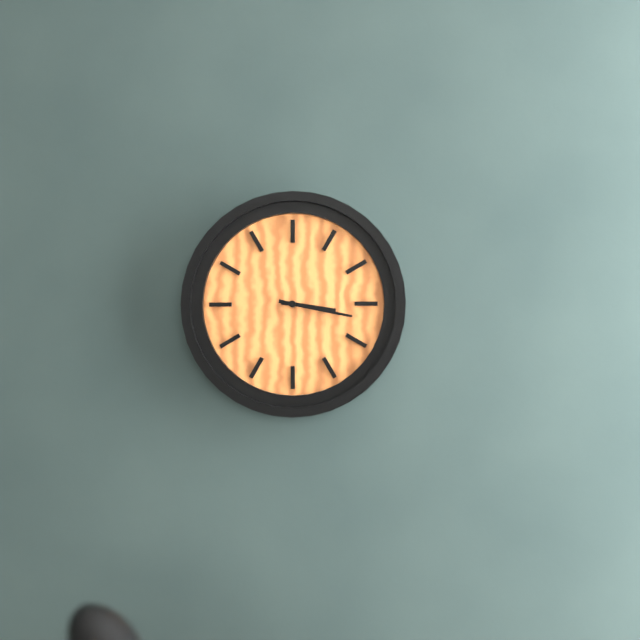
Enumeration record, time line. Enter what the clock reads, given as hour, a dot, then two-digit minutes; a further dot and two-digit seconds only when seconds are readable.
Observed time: 3.17
